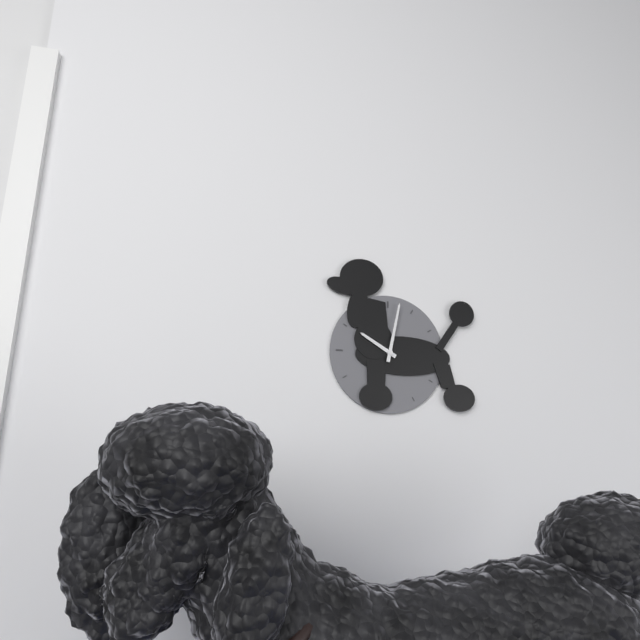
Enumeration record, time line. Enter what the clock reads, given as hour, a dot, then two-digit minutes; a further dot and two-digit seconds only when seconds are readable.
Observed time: 10.02
